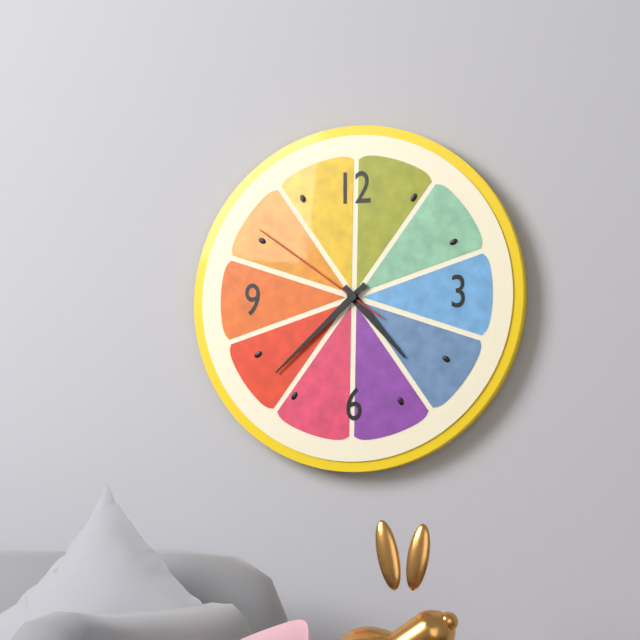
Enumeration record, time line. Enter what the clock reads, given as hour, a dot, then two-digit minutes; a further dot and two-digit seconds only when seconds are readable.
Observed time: 4.38.51
